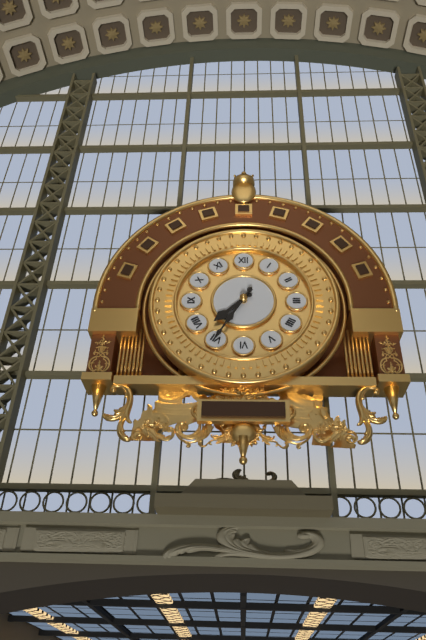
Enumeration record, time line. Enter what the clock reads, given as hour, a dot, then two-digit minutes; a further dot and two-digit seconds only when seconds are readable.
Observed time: 7.35
